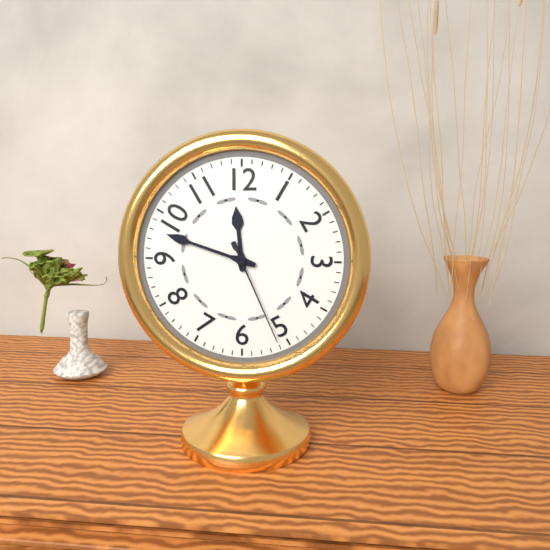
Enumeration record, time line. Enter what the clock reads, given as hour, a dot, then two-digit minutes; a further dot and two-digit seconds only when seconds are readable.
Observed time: 11.48.26
